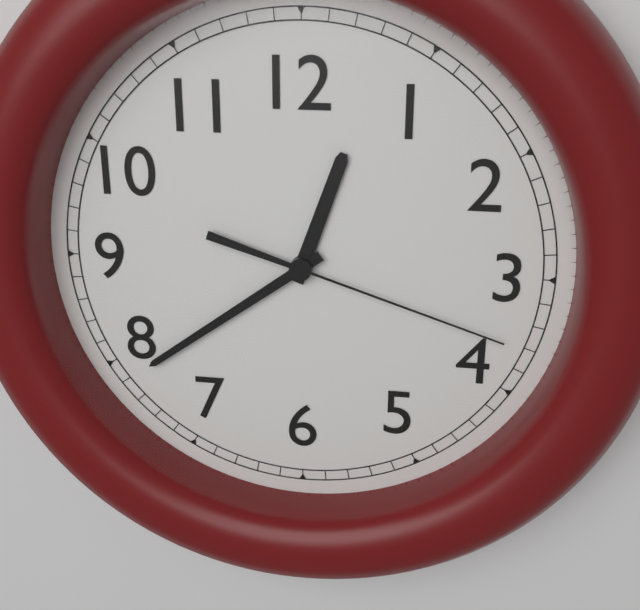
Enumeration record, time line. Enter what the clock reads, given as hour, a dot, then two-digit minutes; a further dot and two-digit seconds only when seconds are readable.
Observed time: 12.39.18
